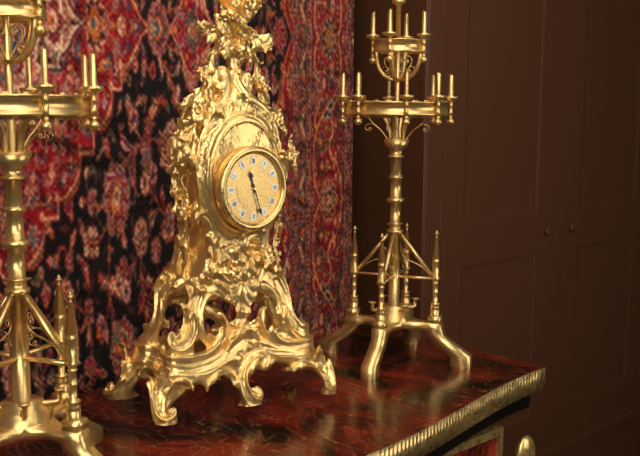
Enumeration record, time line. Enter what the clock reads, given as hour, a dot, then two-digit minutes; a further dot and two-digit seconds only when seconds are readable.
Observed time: 11.27
